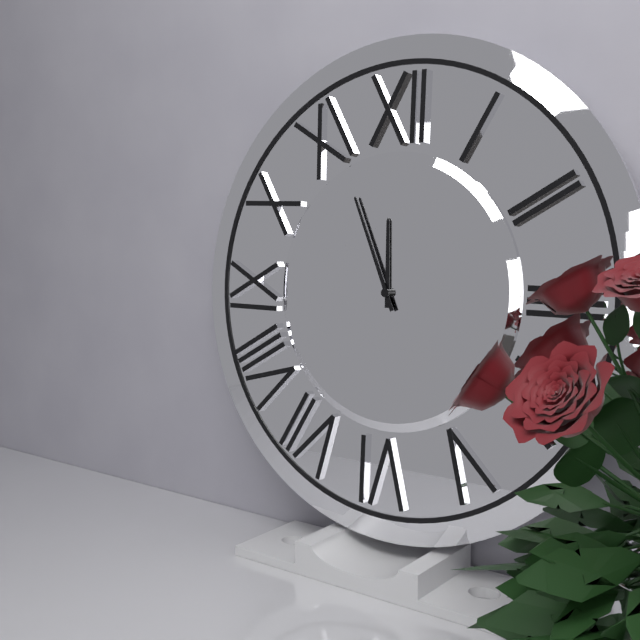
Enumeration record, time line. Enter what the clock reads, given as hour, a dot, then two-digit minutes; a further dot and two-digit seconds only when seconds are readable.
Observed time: 11.56
